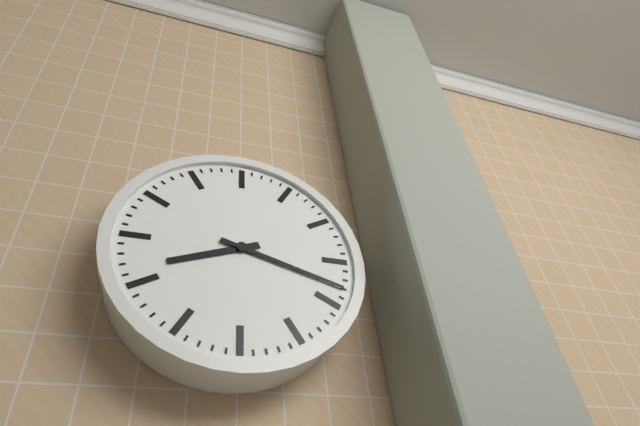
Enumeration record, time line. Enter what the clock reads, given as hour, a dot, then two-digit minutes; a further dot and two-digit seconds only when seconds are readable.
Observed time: 8.18
